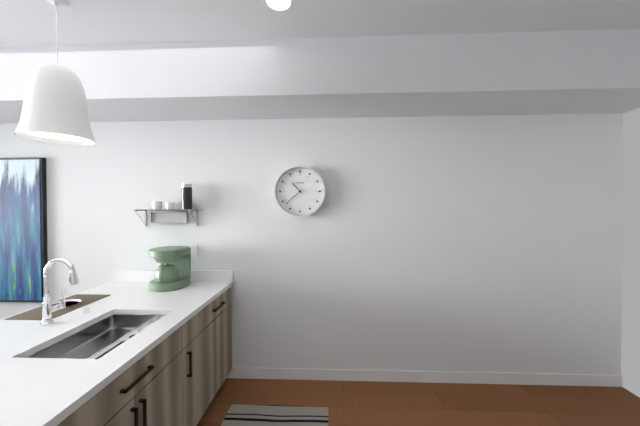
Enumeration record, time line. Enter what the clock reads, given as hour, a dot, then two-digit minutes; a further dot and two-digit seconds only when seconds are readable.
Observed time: 10.38
